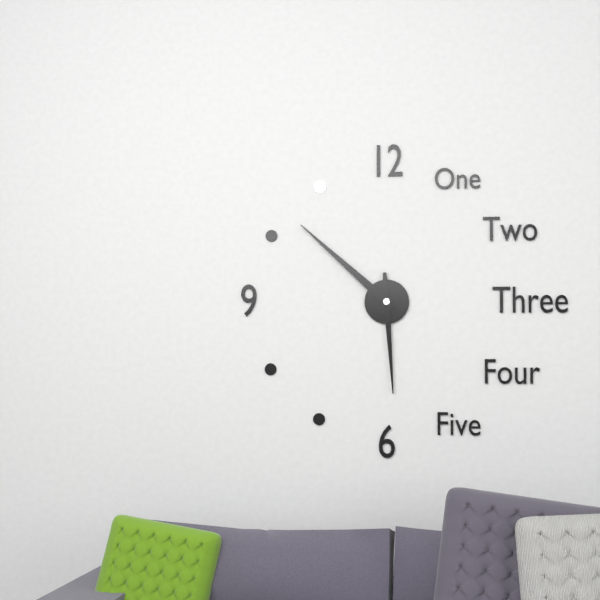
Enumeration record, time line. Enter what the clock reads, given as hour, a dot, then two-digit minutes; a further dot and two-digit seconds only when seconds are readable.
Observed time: 5.52
